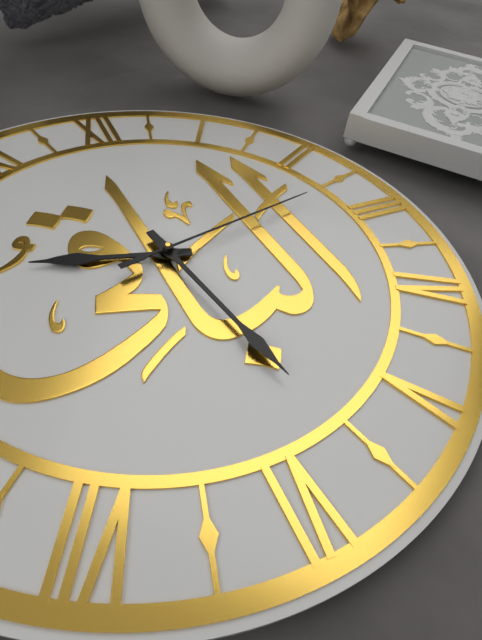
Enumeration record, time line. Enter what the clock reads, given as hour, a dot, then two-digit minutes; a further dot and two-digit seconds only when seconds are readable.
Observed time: 9.28.13
